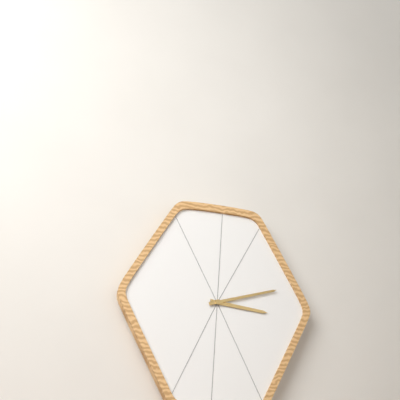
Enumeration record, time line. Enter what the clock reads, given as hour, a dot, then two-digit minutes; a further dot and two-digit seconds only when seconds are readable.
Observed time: 3.12
